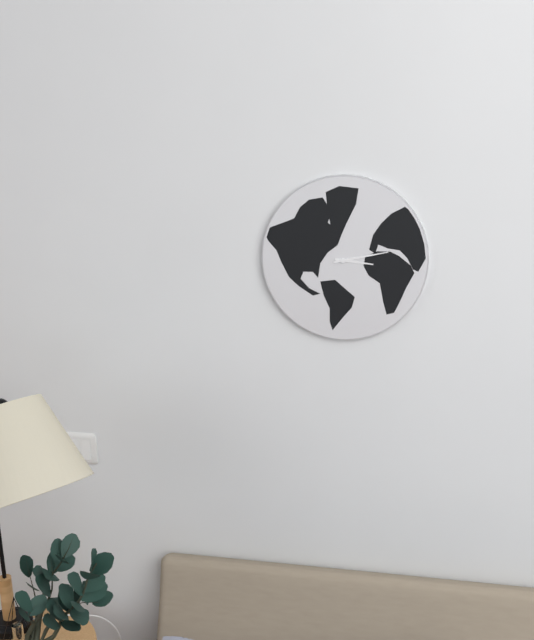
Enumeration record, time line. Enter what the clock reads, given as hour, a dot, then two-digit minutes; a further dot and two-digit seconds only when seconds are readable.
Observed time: 3.13
